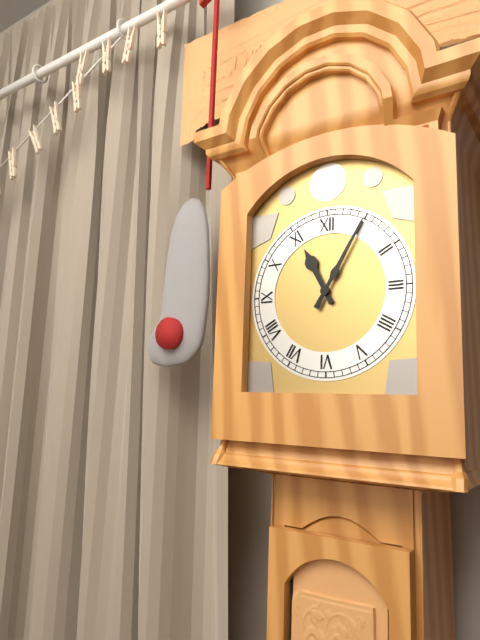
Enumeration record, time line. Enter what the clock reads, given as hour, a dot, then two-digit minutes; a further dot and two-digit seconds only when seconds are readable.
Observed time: 11.05
